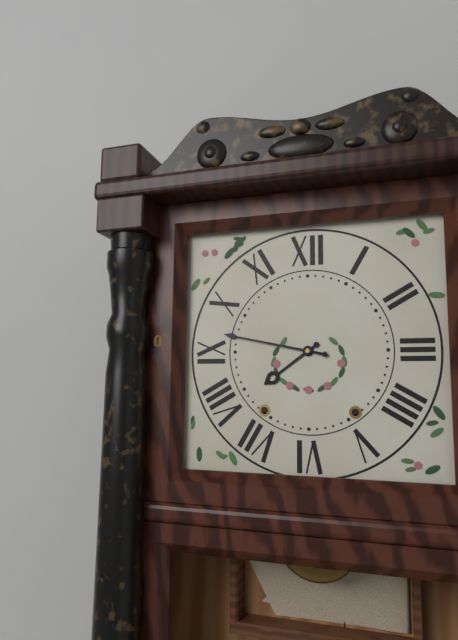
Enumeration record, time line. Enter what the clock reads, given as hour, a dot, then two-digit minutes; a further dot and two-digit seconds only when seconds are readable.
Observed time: 7.47
